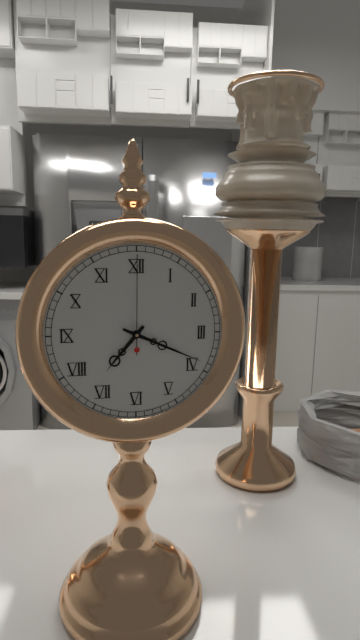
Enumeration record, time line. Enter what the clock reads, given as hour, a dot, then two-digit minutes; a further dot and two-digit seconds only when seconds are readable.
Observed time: 7.19.00
